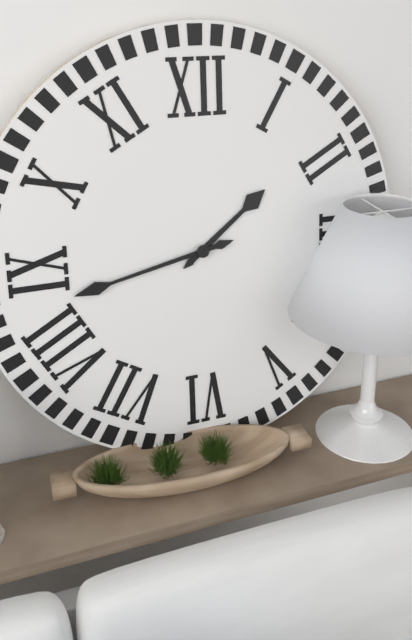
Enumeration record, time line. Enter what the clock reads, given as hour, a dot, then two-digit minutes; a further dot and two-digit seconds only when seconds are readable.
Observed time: 1.43
